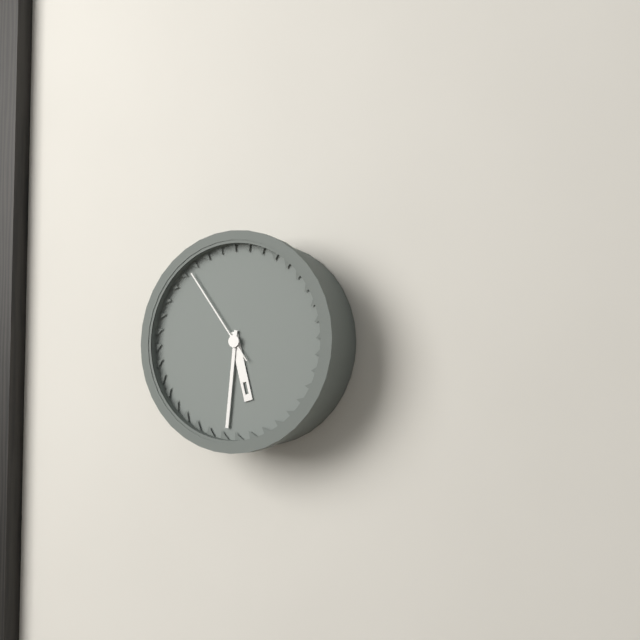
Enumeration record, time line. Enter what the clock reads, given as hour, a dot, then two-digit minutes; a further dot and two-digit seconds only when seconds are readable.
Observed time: 5.31.54
